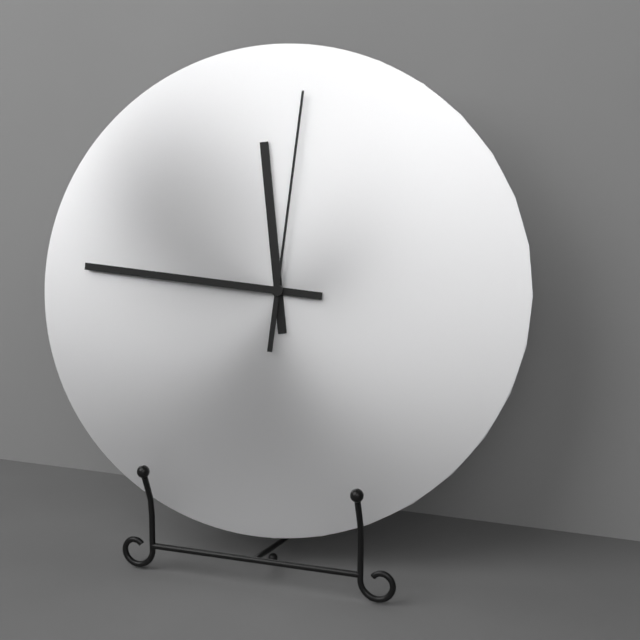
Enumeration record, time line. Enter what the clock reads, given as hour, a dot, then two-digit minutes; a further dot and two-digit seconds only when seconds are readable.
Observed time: 11.46.01
